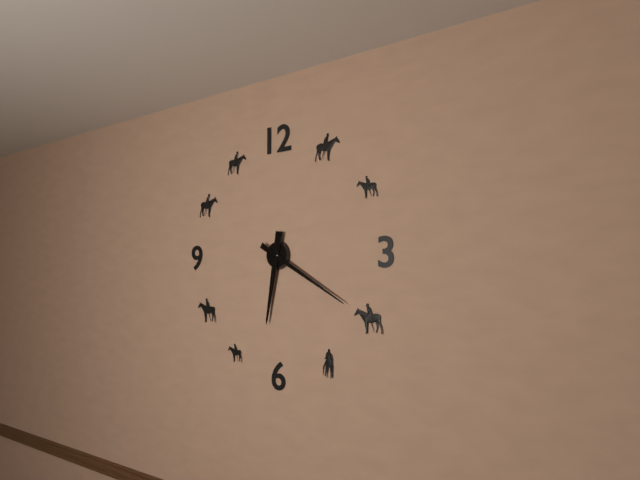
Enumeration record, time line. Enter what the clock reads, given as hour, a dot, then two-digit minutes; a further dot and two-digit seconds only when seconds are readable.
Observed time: 6.20
